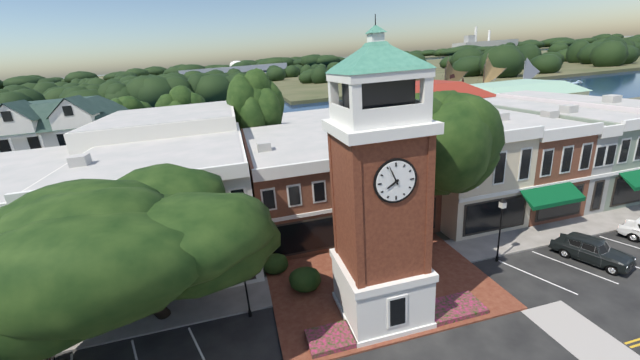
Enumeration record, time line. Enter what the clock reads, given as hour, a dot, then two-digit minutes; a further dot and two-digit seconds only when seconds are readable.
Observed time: 7.56
